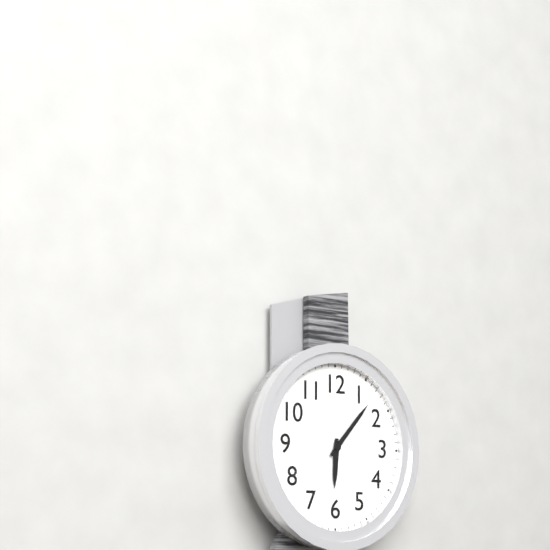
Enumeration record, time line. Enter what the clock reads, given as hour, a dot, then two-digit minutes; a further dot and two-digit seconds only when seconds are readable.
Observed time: 6.07
